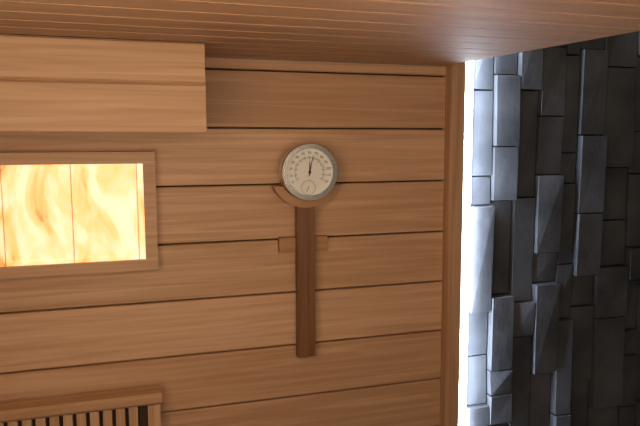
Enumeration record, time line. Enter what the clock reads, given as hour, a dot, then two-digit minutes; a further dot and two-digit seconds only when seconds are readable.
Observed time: 12.02
